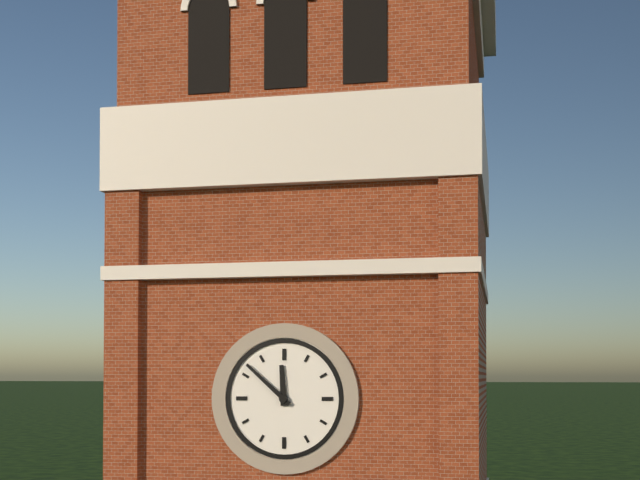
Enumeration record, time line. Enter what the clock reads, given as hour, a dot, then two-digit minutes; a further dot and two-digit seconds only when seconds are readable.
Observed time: 11.52
